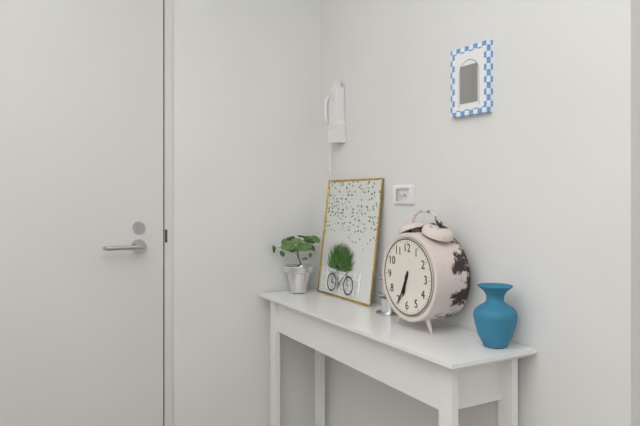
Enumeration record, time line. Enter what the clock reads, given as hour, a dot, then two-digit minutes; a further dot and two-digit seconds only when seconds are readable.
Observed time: 6.34
